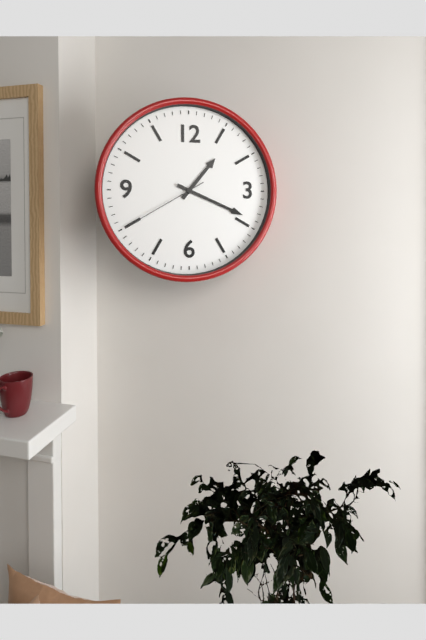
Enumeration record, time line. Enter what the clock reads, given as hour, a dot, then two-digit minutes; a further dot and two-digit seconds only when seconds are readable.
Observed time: 1.19.40
